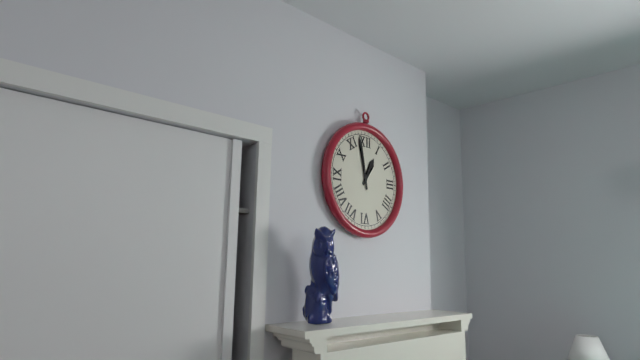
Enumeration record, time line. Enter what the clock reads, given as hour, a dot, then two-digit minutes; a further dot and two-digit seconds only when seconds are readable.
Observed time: 12.58
